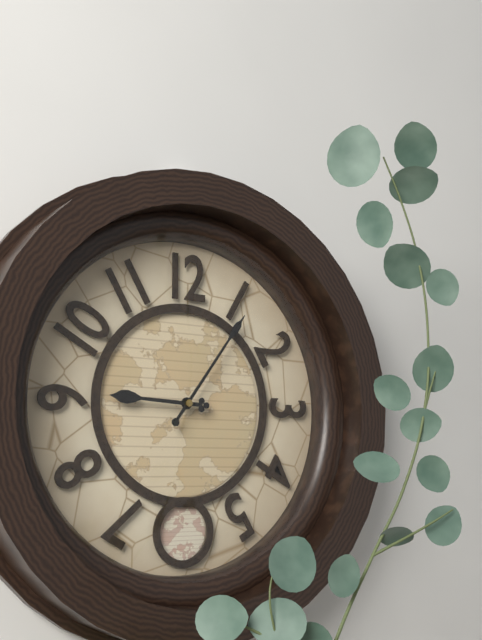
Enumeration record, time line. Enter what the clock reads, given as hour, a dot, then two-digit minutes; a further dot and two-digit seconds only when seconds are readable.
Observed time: 9.06
